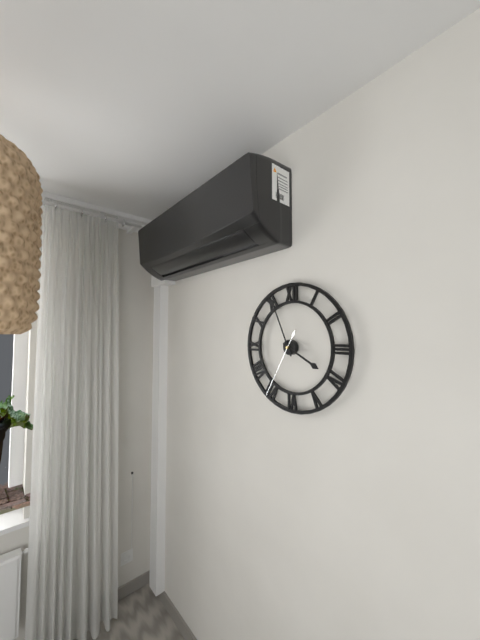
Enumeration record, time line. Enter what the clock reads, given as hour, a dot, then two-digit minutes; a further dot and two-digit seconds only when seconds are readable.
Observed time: 3.56.35
